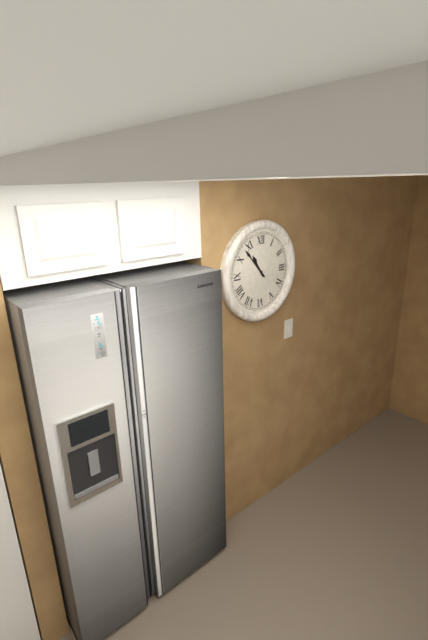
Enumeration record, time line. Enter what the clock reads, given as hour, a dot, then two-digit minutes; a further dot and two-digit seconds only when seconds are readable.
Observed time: 10.53
